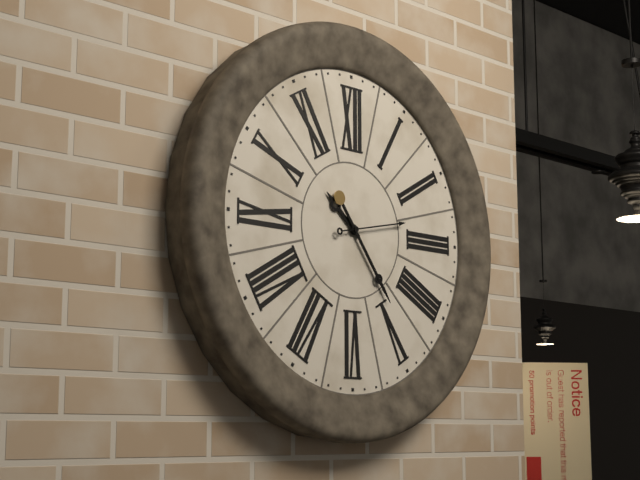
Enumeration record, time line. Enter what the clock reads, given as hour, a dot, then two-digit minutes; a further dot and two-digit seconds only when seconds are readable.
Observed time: 10.24.13
